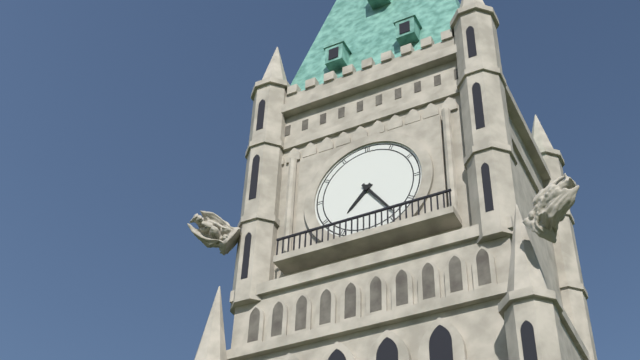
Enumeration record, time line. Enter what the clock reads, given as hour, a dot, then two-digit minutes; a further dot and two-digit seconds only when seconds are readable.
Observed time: 7.24
